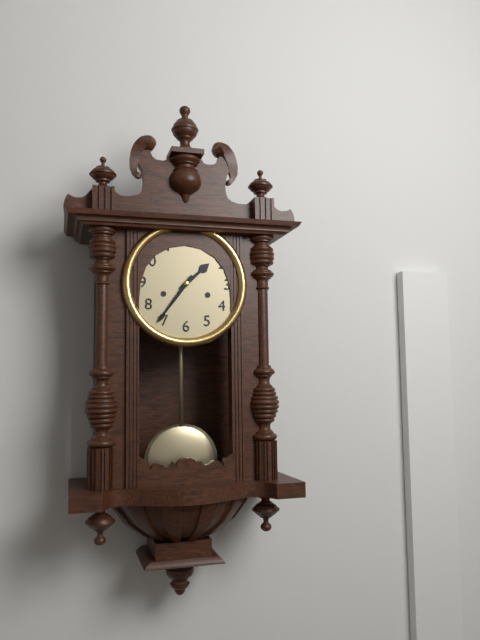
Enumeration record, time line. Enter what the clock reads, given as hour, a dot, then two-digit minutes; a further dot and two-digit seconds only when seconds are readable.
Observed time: 1.36
